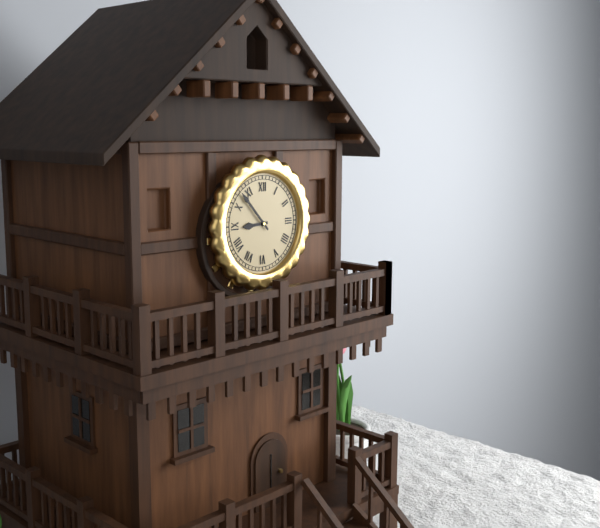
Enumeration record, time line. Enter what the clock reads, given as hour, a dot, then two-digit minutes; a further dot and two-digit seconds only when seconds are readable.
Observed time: 8.53
